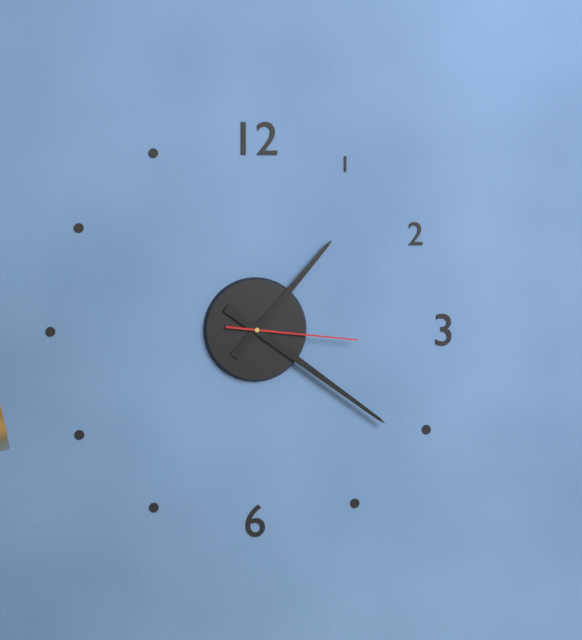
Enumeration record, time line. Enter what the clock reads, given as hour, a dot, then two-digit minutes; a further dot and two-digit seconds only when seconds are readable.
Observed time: 1.21.16
